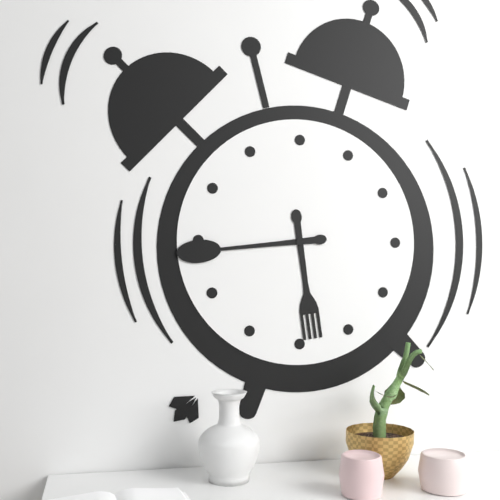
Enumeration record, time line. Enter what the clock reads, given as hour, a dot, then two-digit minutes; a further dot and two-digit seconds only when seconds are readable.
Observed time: 5.44
